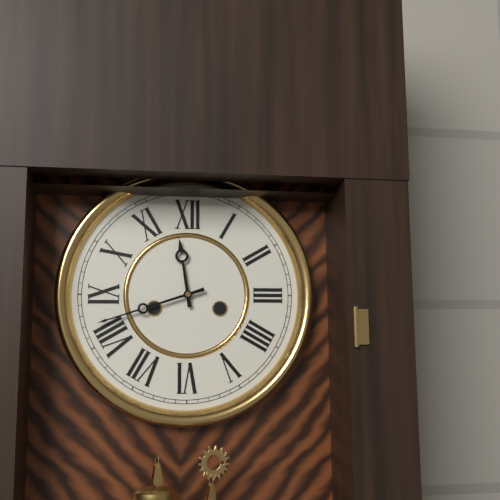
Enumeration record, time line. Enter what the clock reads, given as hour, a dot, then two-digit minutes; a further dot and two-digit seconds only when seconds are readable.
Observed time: 11.42
